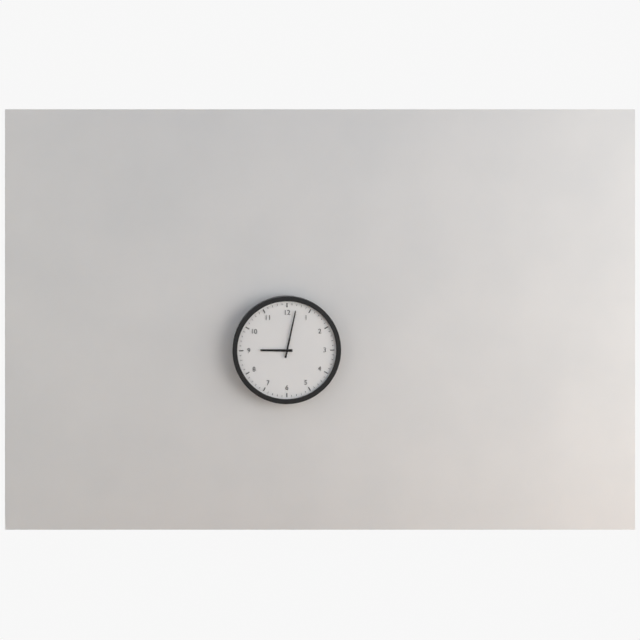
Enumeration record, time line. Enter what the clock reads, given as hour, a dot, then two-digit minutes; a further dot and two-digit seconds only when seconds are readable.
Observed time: 9.02
